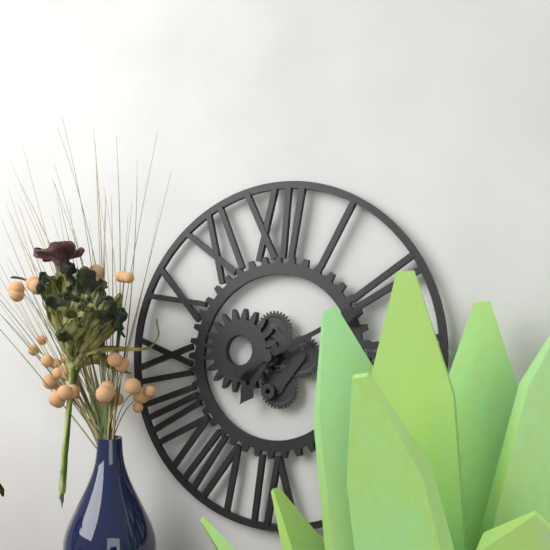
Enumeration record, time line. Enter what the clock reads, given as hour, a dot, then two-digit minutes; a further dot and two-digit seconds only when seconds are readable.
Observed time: 7.11
